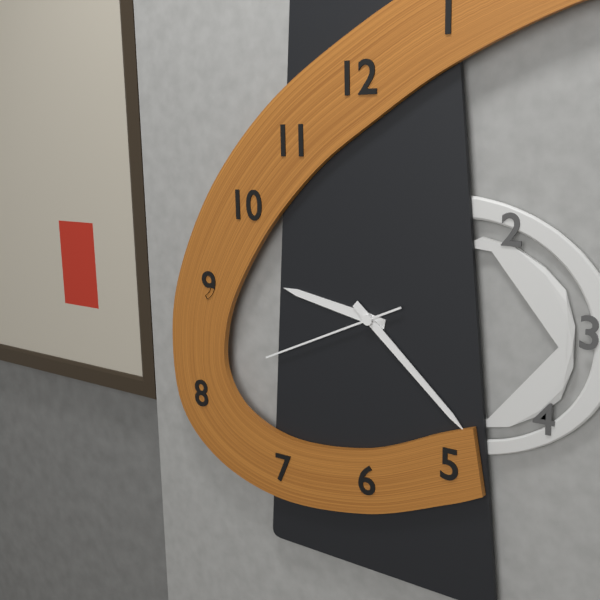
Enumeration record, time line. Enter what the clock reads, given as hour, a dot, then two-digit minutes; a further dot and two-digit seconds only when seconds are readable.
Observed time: 9.22.41
